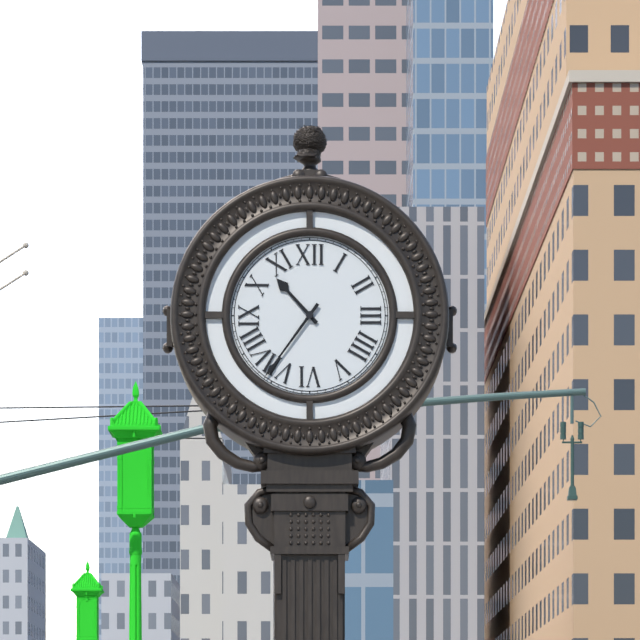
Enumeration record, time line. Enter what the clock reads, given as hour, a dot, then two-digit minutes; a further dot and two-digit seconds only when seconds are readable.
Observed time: 10.36
